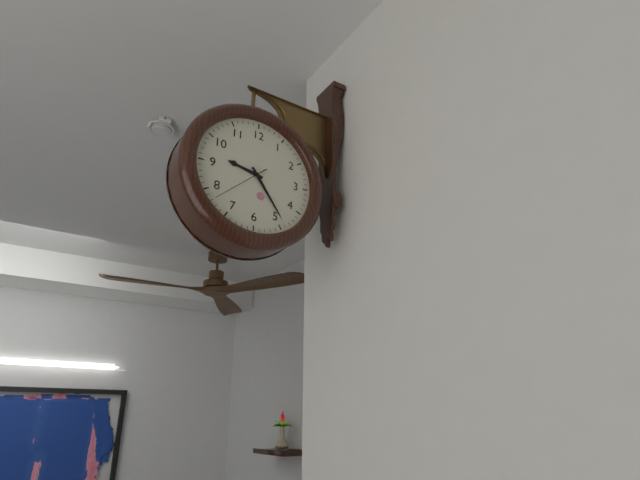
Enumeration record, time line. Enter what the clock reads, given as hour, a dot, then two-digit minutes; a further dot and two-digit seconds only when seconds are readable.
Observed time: 9.24.38
